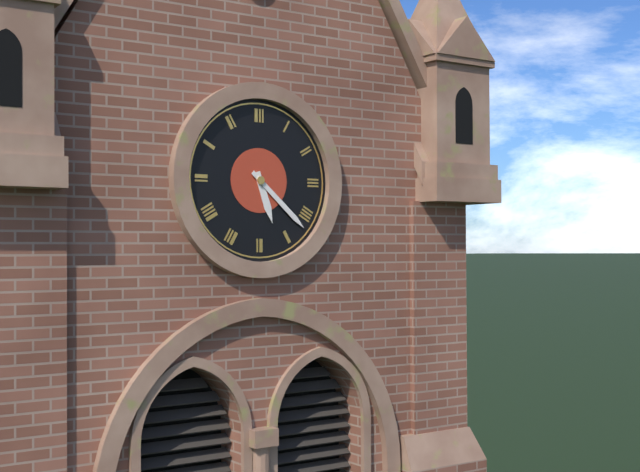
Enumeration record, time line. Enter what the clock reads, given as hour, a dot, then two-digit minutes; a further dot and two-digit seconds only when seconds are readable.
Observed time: 5.22
